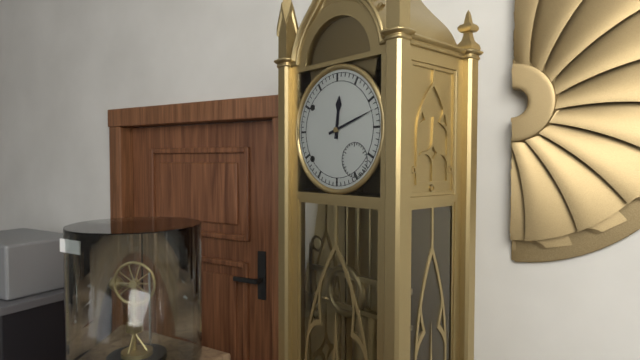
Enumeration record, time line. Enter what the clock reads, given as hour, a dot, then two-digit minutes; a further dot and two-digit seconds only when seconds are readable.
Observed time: 12.12
